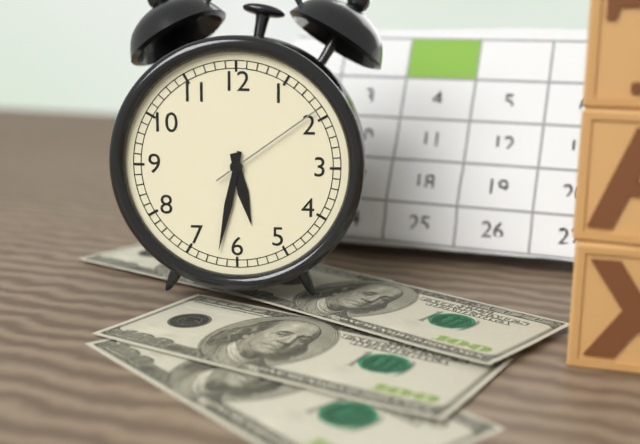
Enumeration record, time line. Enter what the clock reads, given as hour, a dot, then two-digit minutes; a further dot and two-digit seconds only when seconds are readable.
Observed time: 5.32.09
